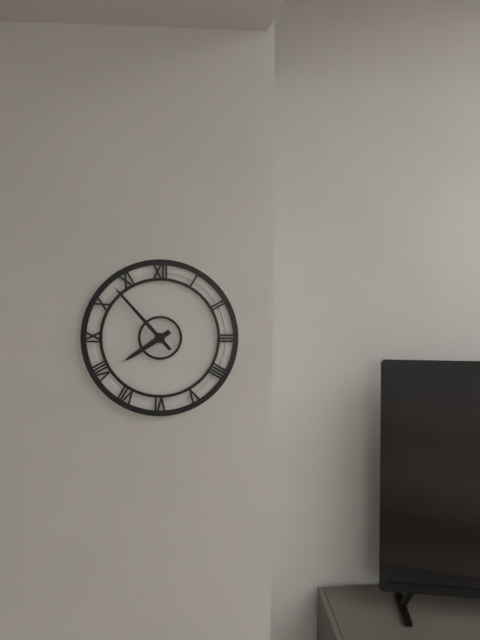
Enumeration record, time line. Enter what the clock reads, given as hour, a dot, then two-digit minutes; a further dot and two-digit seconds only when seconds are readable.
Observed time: 7.53
